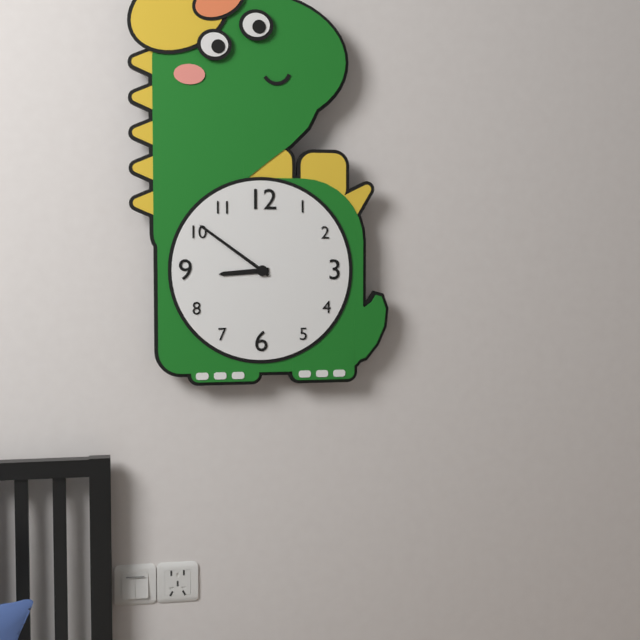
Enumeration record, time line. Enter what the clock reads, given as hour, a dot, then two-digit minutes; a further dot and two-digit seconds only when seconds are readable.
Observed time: 8.51
